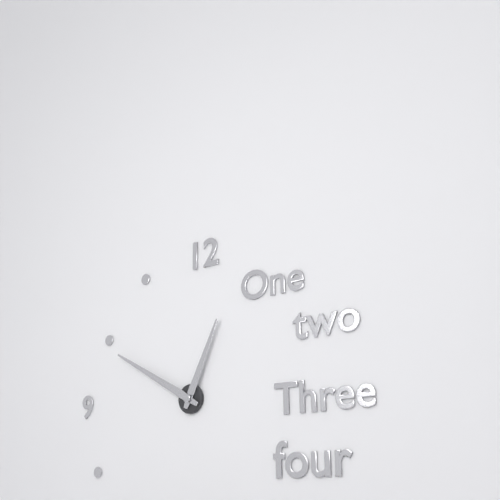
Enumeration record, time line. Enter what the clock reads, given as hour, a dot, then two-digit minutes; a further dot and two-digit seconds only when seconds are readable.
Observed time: 12.50
